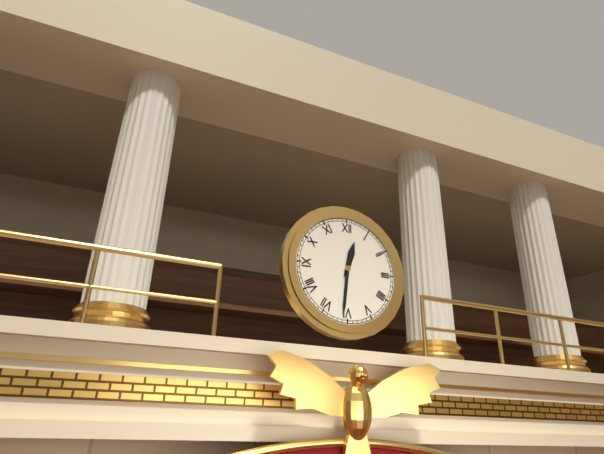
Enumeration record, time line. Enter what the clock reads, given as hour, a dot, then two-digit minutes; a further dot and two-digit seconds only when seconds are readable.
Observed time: 12.31
